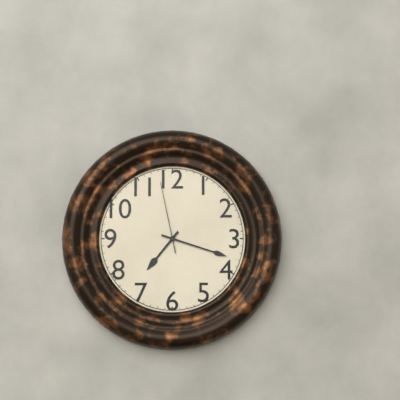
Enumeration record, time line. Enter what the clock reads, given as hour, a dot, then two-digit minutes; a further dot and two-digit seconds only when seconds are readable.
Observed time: 7.18.58
